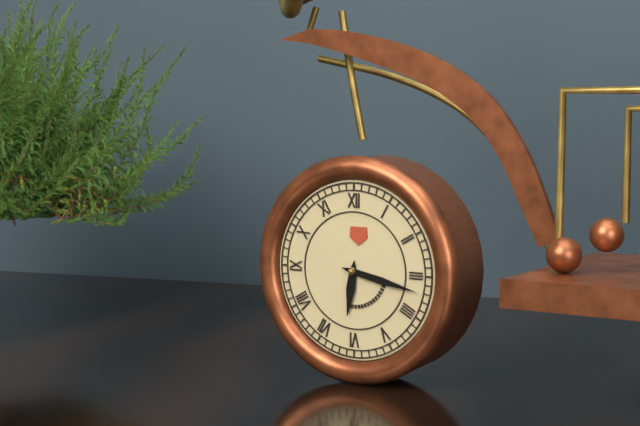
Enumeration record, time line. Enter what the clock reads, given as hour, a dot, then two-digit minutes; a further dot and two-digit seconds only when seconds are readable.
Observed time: 6.17
